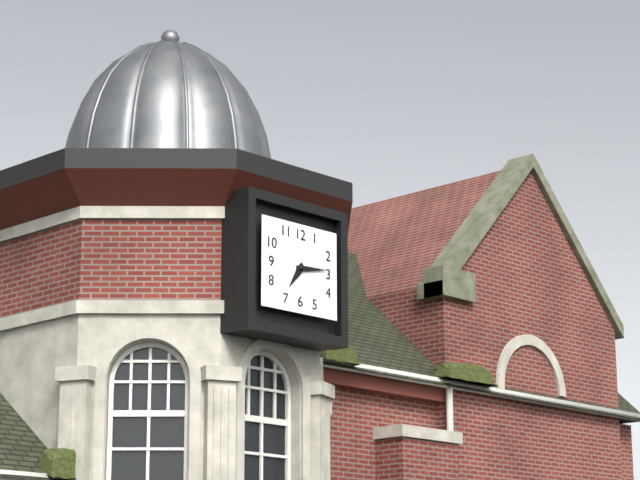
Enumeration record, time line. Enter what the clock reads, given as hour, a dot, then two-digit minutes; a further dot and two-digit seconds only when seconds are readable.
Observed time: 7.14
